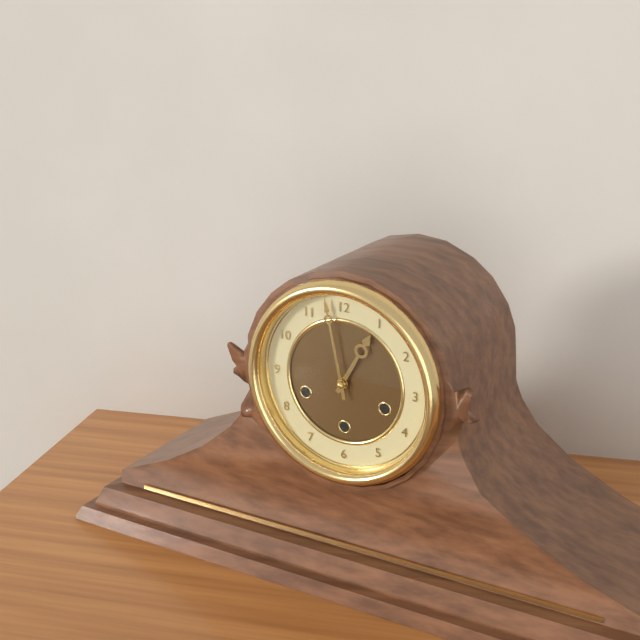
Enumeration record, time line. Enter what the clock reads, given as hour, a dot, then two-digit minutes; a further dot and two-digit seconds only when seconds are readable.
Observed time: 12.58
